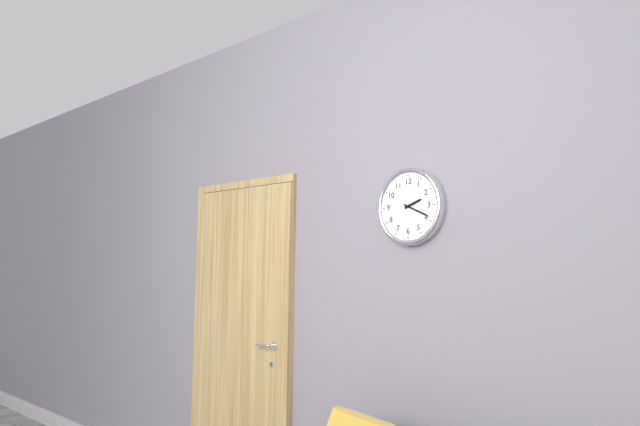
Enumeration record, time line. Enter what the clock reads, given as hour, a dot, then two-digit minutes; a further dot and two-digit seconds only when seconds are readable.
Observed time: 2.19
